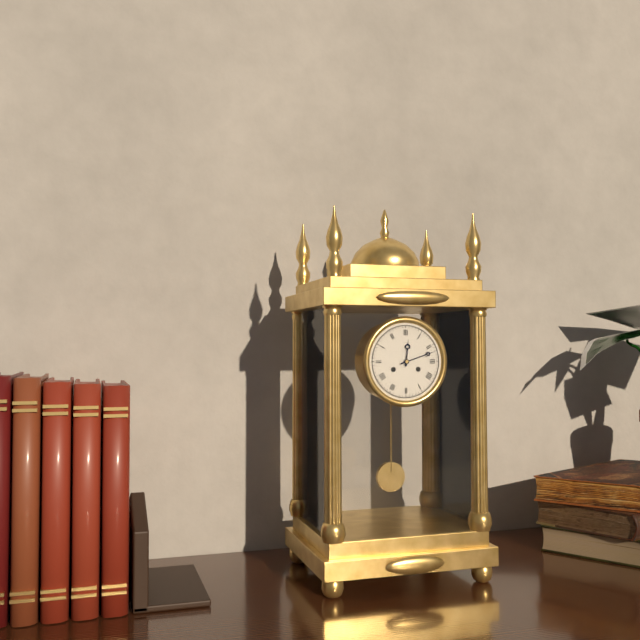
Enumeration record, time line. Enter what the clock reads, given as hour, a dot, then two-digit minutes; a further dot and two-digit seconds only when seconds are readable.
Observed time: 12.12
